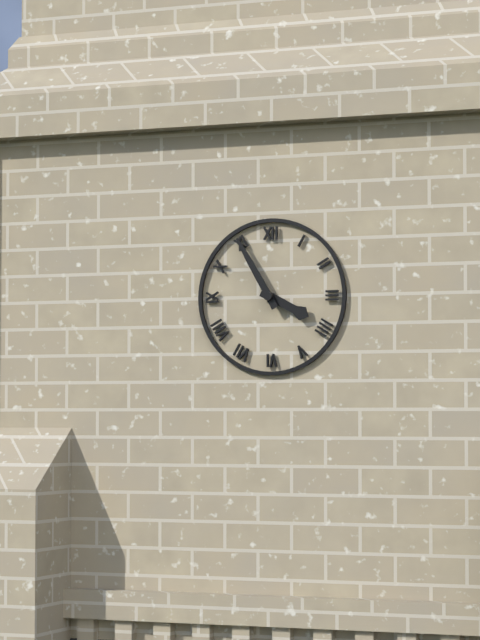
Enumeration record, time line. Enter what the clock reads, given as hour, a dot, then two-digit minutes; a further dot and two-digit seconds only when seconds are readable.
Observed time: 3.55
